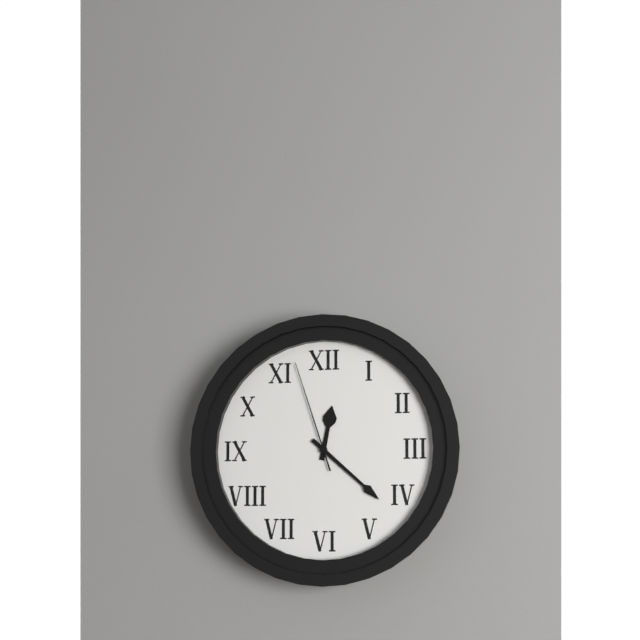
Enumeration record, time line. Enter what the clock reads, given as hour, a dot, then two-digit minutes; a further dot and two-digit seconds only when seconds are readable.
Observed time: 12.22.57
